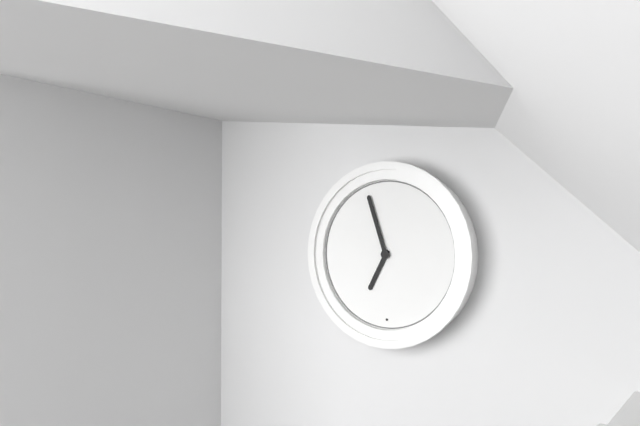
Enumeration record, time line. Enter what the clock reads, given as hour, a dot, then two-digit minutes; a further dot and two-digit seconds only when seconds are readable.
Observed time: 6.57
